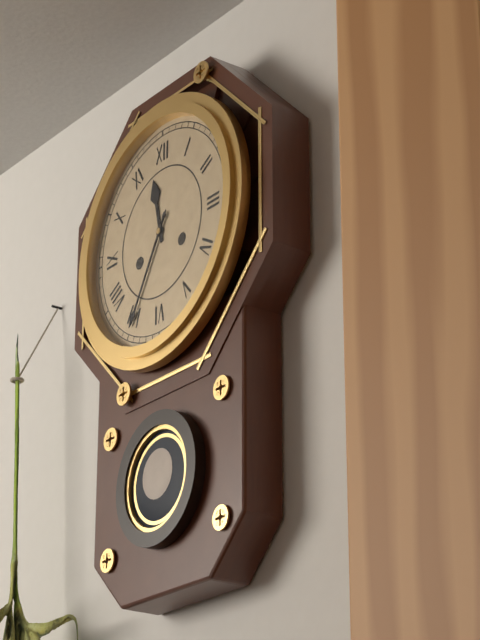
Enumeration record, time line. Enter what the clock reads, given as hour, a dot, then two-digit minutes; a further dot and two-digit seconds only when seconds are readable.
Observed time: 11.35
